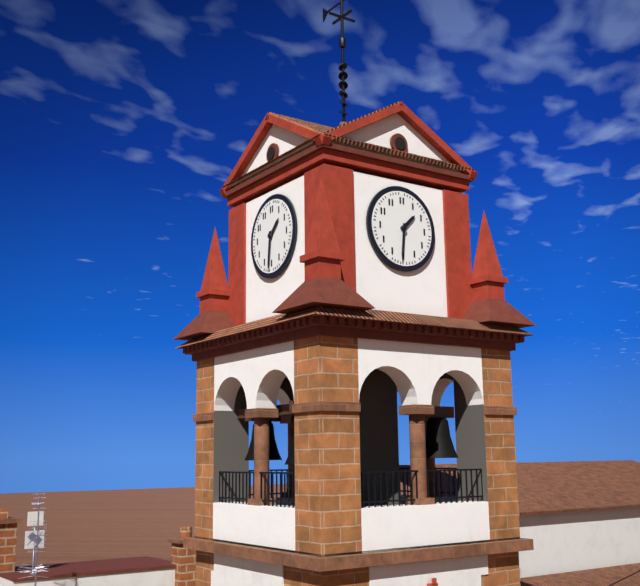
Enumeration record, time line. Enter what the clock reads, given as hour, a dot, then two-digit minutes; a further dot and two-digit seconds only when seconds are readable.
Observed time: 1.31
